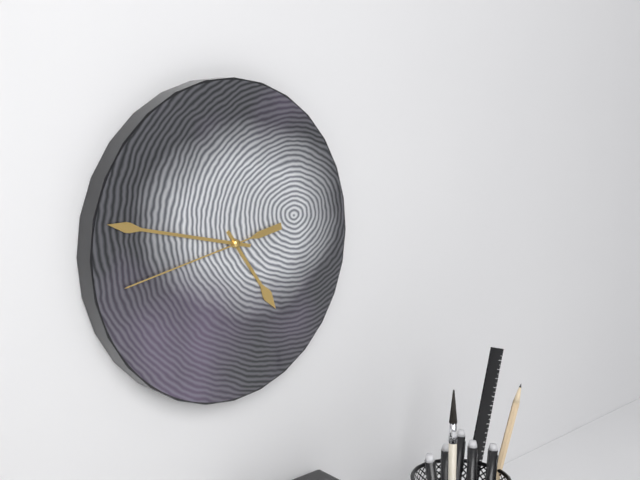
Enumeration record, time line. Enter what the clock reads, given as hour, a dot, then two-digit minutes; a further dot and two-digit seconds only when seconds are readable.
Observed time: 4.47.43
